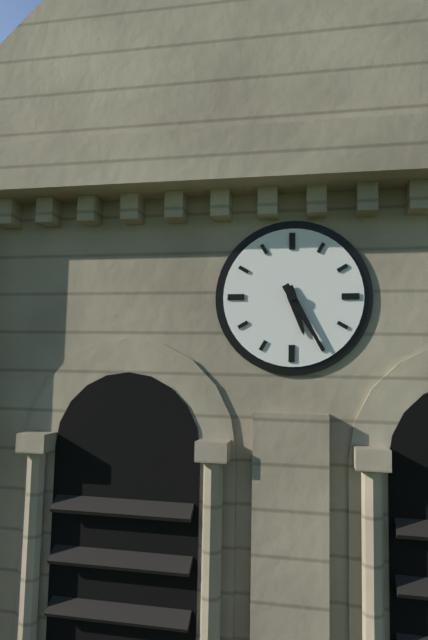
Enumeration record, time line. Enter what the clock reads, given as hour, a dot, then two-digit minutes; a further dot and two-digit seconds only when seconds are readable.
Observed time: 5.25
